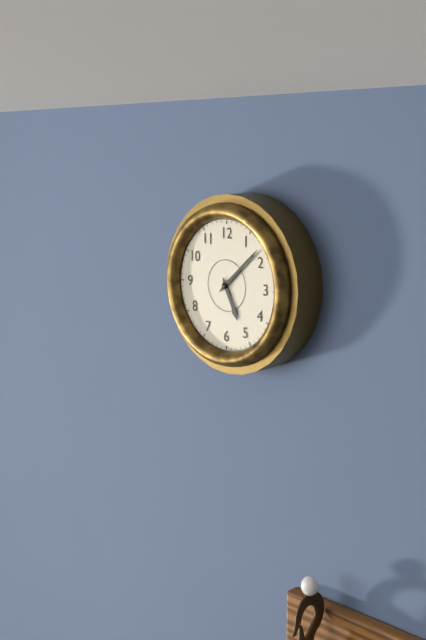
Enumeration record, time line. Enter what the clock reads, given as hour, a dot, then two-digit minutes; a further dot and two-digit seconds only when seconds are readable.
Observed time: 5.08
